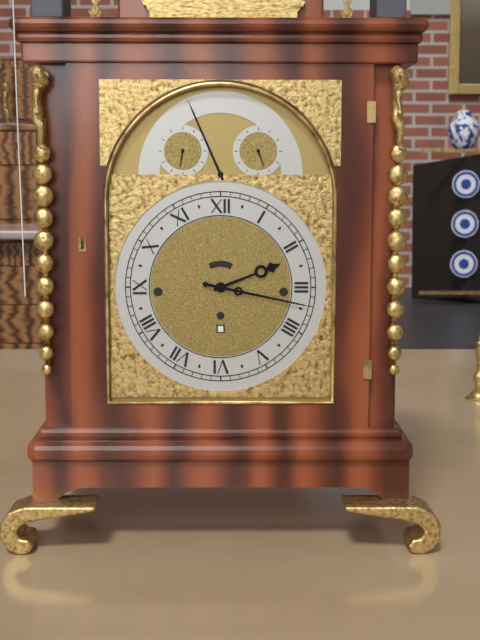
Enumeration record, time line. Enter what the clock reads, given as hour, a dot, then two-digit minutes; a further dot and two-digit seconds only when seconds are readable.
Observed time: 2.17
